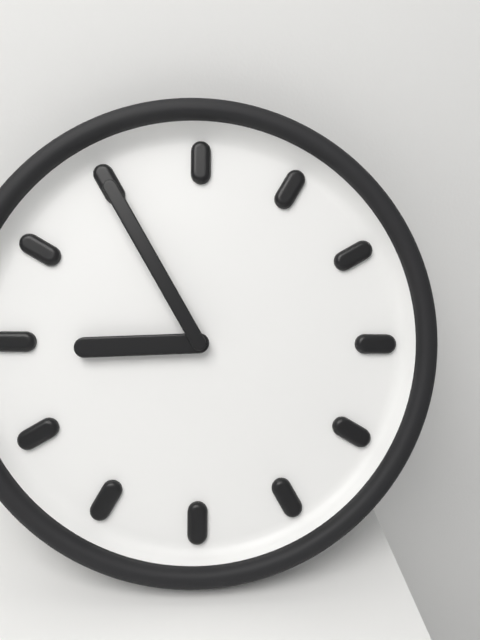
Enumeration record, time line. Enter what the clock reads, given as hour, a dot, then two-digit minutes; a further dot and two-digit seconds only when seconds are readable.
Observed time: 8.55
